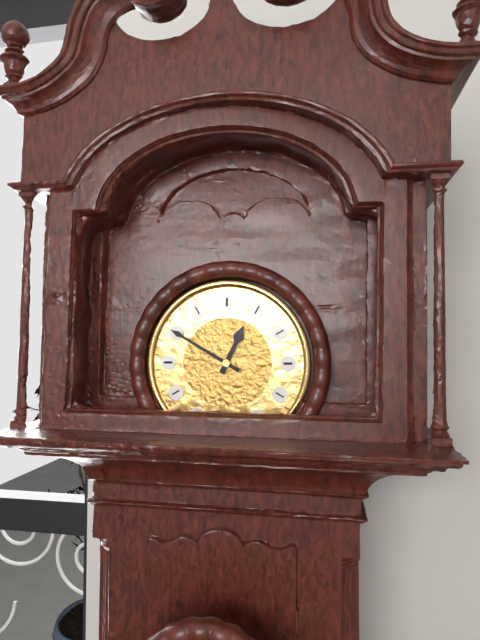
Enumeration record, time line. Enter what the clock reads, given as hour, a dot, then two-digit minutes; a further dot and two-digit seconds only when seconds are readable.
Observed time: 12.50
